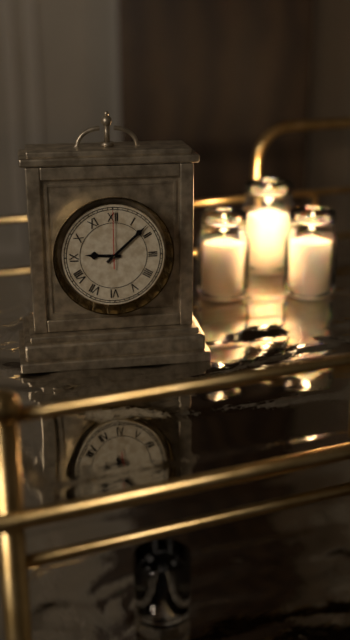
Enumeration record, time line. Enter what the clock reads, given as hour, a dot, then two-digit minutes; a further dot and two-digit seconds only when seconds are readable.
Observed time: 9.08.00
